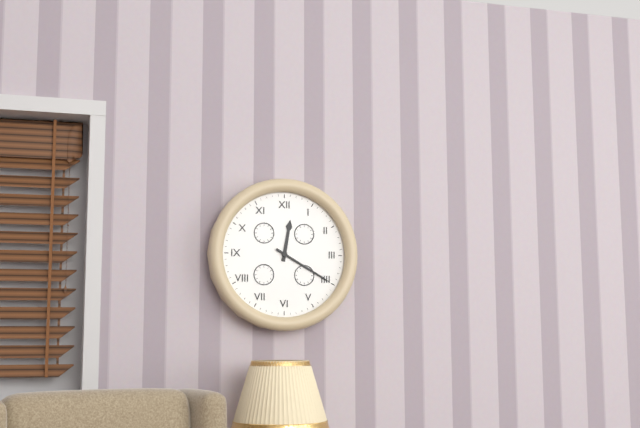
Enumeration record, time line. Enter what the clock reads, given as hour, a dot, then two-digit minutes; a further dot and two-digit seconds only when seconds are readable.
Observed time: 12.20
